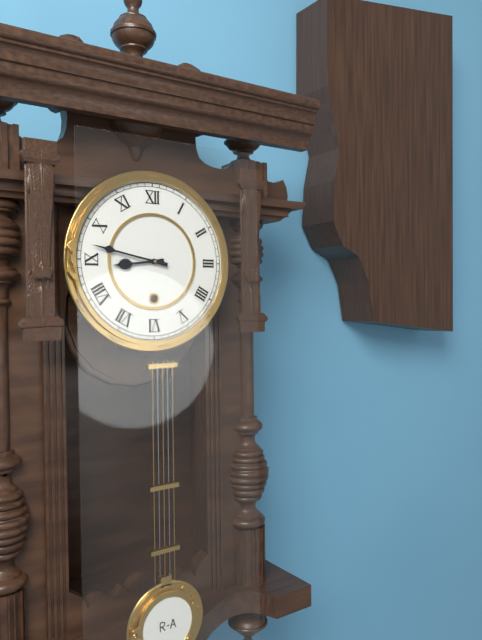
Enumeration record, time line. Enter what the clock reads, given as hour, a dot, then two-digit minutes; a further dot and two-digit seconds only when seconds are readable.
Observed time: 8.47
